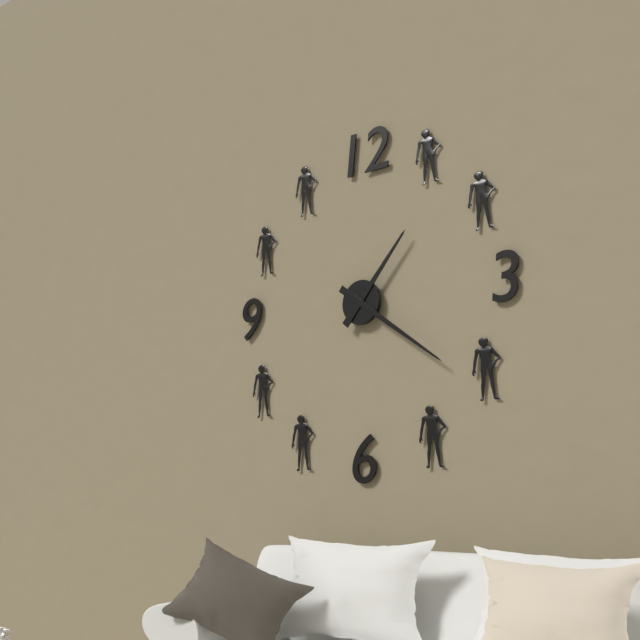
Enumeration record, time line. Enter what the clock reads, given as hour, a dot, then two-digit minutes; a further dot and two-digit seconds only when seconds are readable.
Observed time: 1.21
